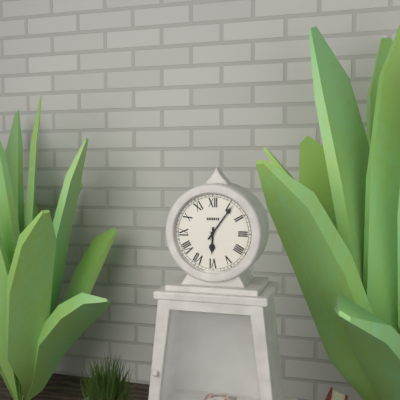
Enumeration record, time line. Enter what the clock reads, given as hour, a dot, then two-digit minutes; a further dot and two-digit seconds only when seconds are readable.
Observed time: 6.06
